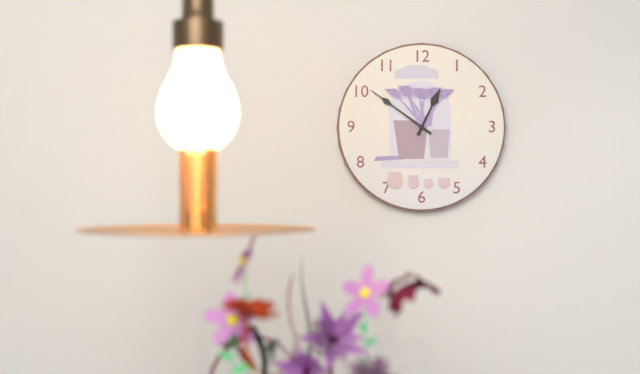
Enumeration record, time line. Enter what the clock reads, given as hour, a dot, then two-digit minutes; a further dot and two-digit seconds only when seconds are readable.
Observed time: 12.51
